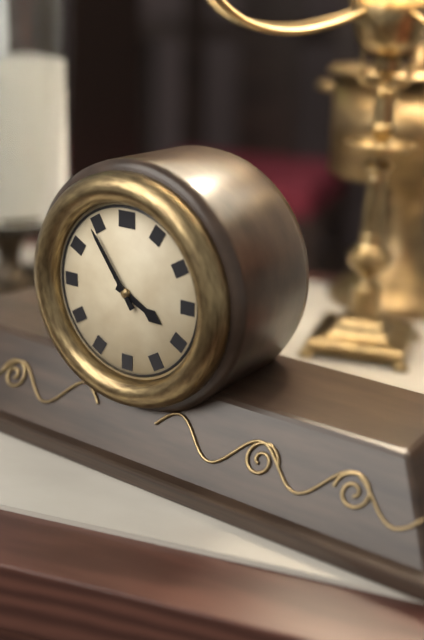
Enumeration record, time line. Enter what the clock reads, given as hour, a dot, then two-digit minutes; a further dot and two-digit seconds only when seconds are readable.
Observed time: 3.54
